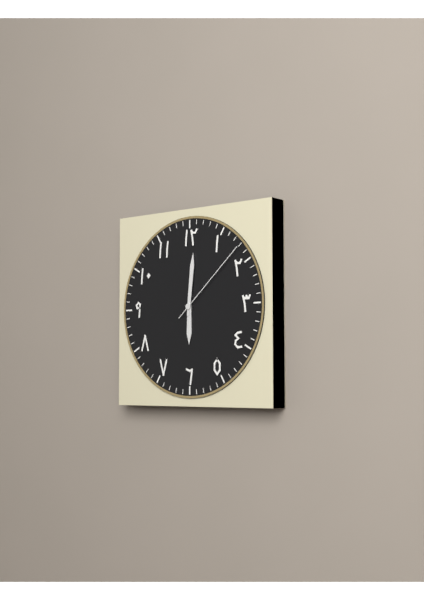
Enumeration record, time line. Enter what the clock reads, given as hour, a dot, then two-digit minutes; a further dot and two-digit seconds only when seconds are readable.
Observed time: 6.01.08
